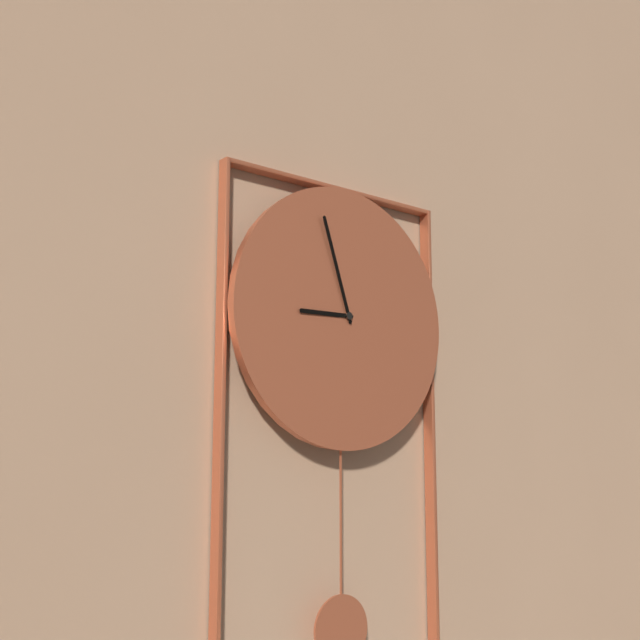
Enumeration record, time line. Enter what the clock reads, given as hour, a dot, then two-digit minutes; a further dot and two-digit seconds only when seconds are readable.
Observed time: 8.57
